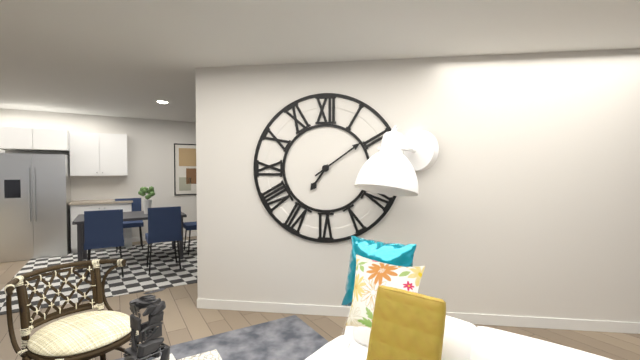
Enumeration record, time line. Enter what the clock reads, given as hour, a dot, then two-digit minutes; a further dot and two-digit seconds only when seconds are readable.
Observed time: 7.09
